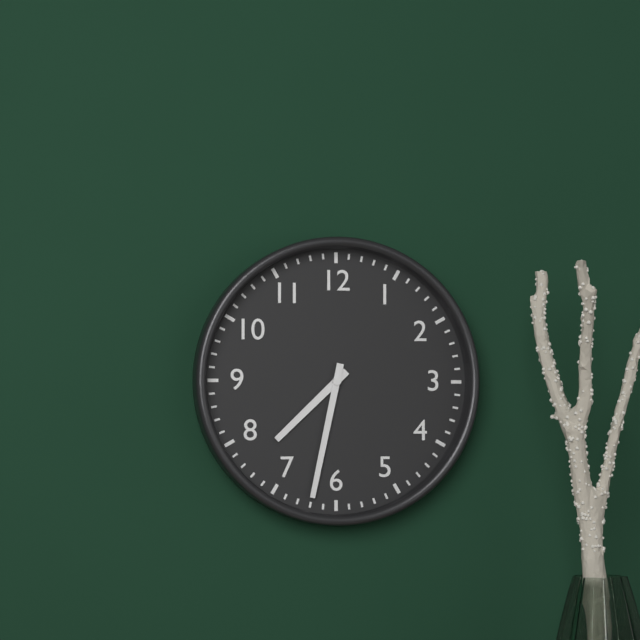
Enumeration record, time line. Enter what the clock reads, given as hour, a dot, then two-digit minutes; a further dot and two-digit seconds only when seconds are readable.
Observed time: 7.32
